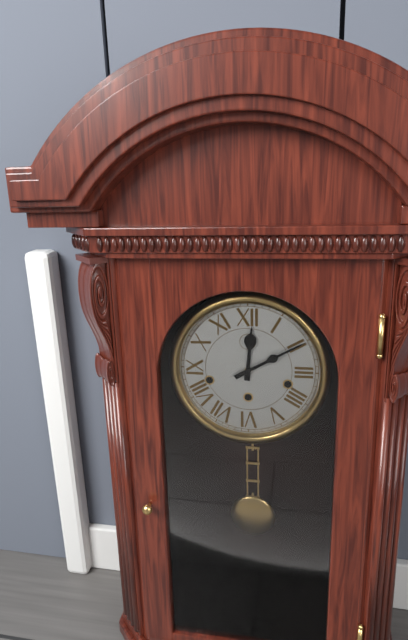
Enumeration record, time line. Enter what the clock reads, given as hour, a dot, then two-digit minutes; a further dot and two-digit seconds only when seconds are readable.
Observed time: 12.10
